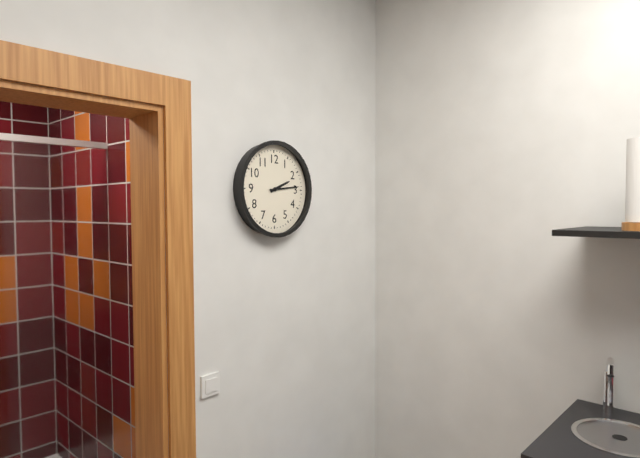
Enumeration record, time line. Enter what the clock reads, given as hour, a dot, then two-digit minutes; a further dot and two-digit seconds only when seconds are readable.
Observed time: 2.14
